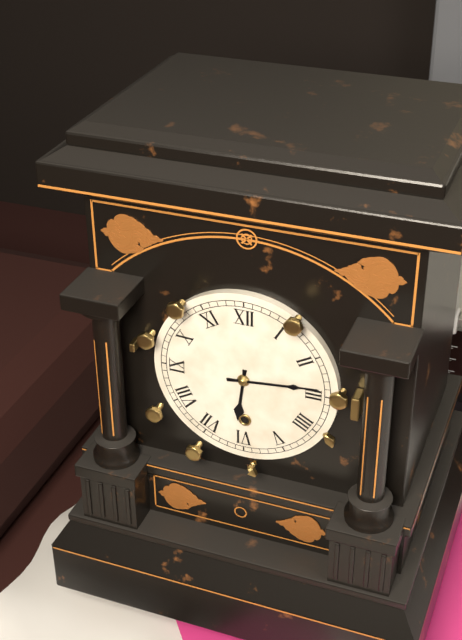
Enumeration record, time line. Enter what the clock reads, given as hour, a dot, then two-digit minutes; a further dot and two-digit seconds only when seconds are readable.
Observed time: 6.14
